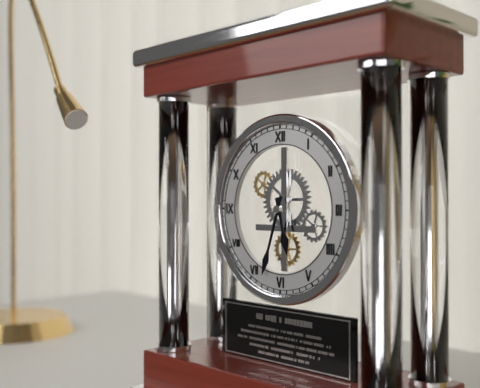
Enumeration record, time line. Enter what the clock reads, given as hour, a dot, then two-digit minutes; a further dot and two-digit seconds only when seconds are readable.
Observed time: 5.33
